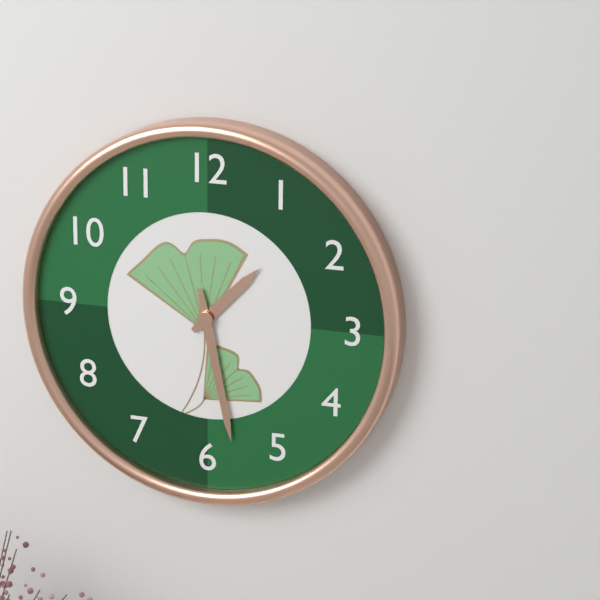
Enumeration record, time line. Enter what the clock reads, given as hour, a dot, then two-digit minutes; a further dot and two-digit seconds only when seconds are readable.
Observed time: 1.28
